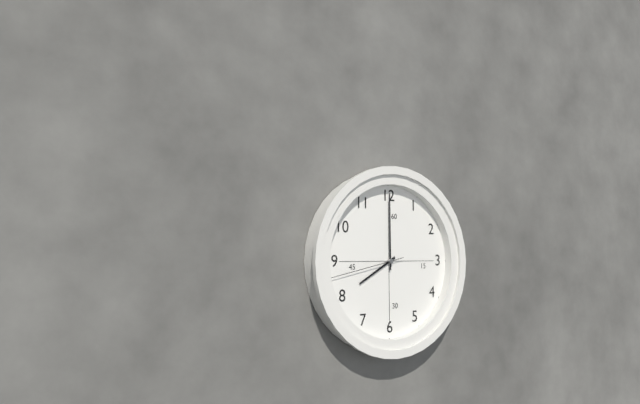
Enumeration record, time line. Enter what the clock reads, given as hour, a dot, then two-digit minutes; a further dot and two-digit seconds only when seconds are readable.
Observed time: 8.00.43
